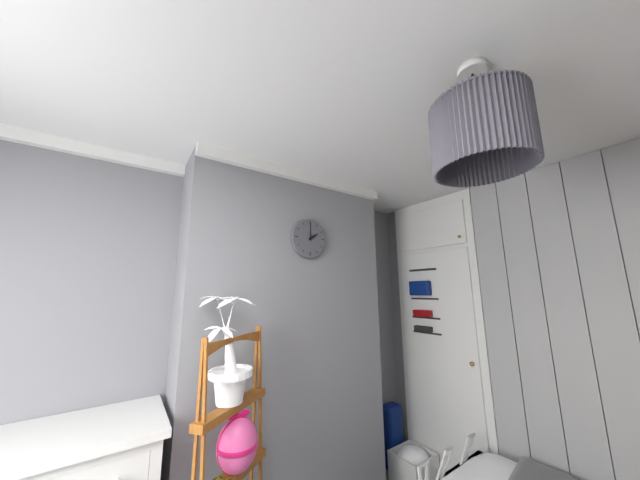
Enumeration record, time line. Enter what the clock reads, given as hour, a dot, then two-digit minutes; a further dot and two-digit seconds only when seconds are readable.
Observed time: 2.00
